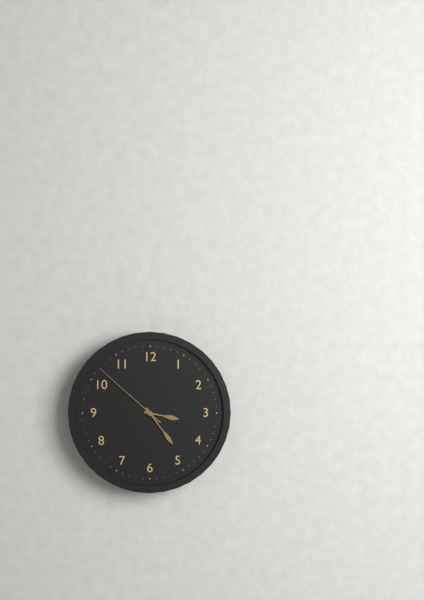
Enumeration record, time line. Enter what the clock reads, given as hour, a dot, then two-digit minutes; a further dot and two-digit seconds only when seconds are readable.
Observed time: 3.24.52
